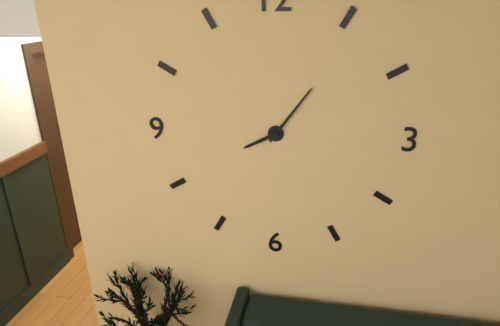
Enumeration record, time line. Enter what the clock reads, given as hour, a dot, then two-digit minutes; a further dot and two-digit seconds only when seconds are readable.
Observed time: 8.06
